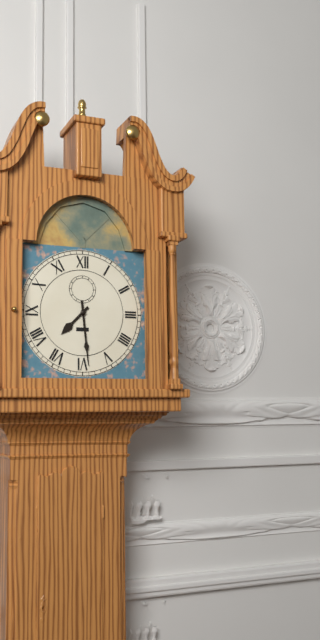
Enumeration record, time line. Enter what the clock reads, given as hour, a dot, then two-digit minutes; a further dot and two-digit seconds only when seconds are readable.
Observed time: 7.29
